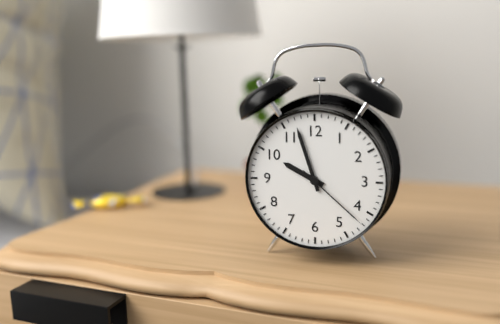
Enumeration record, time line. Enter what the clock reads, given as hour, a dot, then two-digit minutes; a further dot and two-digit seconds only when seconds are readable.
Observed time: 9.57.22
